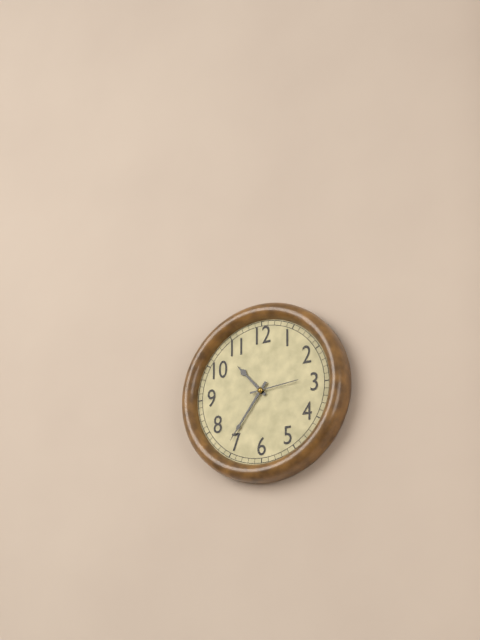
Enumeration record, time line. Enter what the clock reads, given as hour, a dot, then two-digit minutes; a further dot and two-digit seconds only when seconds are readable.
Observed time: 10.36
